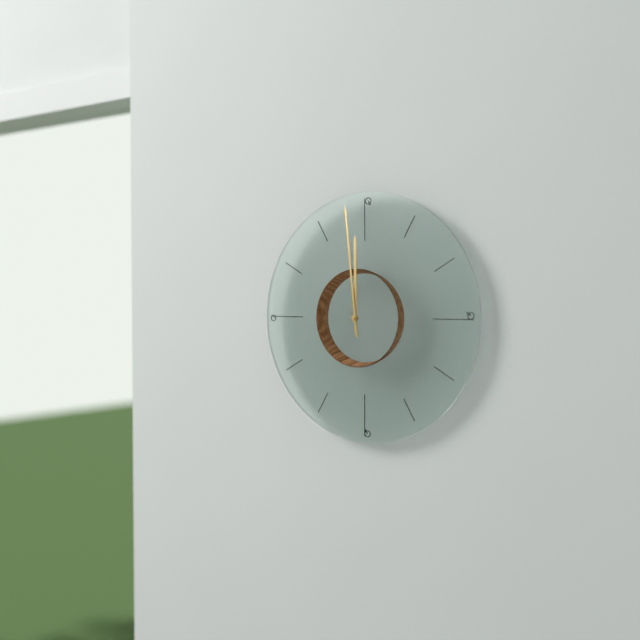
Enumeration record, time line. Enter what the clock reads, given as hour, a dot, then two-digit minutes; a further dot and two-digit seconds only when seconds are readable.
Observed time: 11.59
